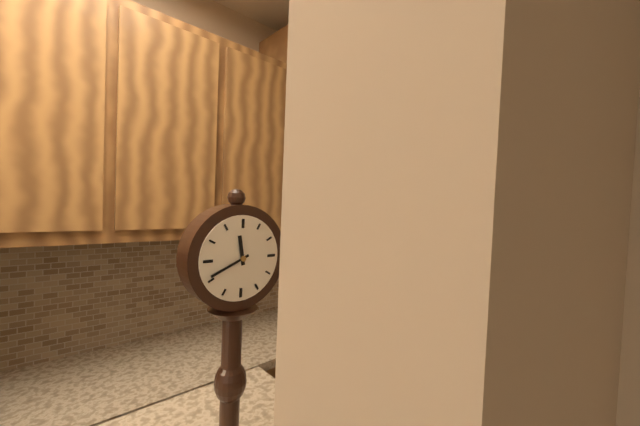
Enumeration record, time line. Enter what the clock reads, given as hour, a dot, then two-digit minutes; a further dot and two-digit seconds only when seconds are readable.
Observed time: 11.41
